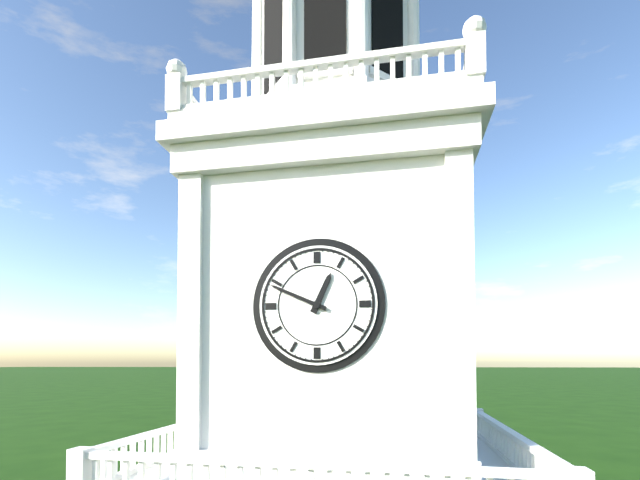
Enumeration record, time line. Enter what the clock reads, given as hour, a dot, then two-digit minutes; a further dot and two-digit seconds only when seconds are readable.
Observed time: 12.49
